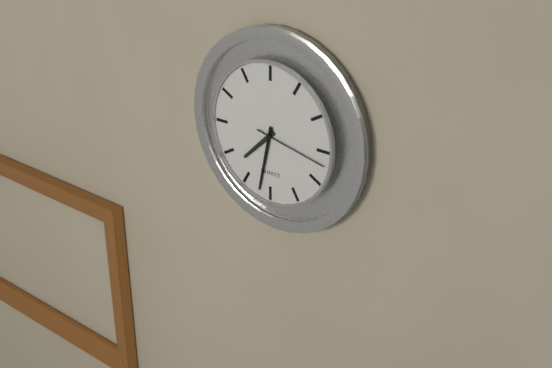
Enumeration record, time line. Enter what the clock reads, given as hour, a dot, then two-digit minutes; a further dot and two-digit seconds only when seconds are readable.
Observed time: 7.32.17
